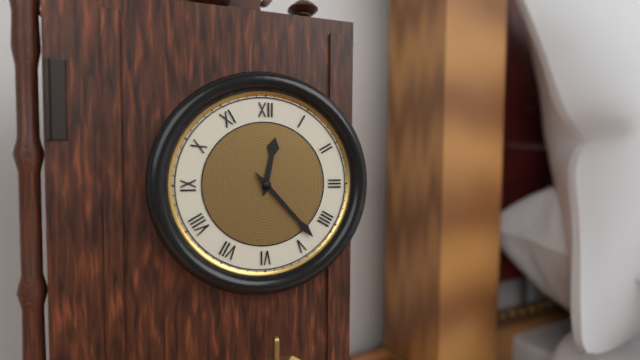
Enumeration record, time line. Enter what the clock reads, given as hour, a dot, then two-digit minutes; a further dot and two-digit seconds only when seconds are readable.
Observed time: 12.23
